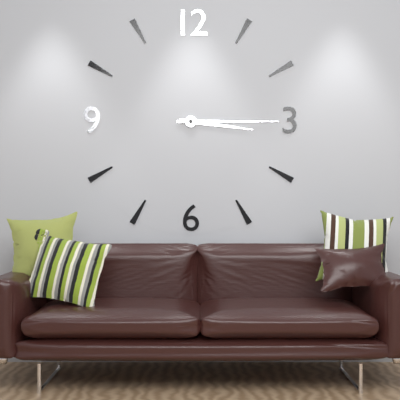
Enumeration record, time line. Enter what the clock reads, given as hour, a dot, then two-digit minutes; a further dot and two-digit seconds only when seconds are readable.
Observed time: 3.15
